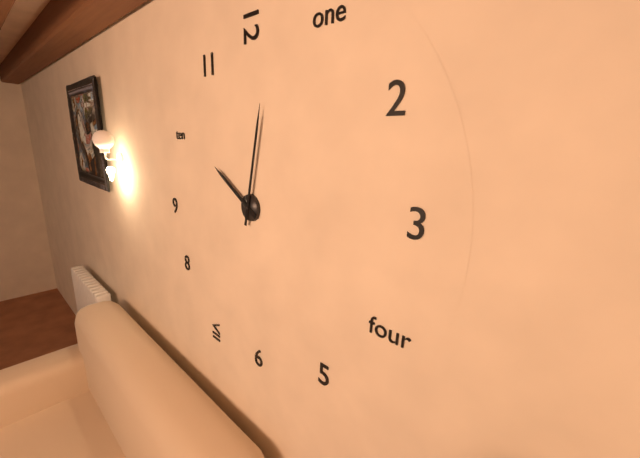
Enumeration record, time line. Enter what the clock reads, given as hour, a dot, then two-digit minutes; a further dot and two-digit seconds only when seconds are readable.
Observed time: 10.02
